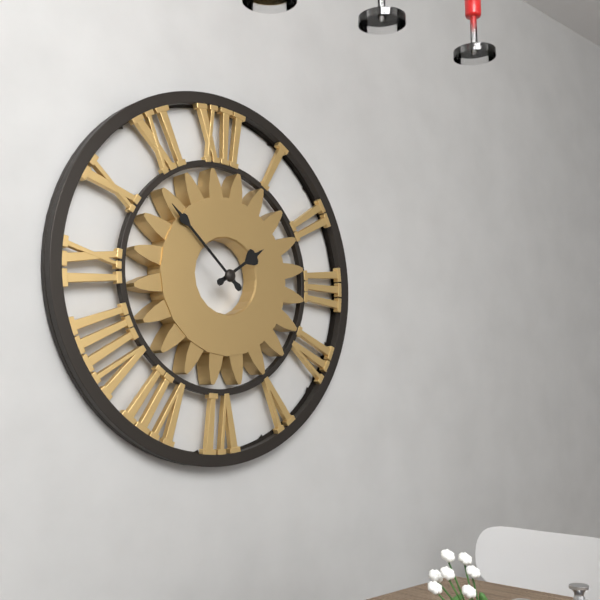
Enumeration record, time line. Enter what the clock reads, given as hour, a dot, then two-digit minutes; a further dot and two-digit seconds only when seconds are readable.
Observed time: 1.52
